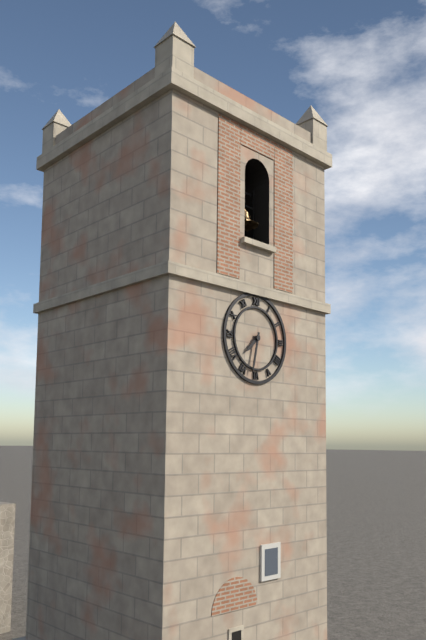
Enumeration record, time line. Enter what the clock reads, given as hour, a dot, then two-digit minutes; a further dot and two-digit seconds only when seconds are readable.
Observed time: 7.32
